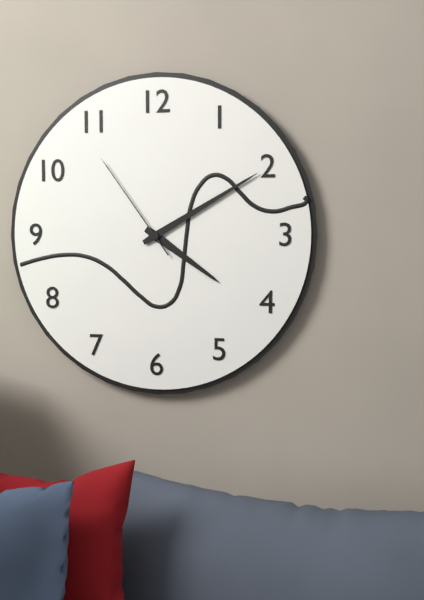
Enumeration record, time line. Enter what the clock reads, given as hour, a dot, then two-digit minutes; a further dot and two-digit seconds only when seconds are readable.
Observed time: 4.10.54
